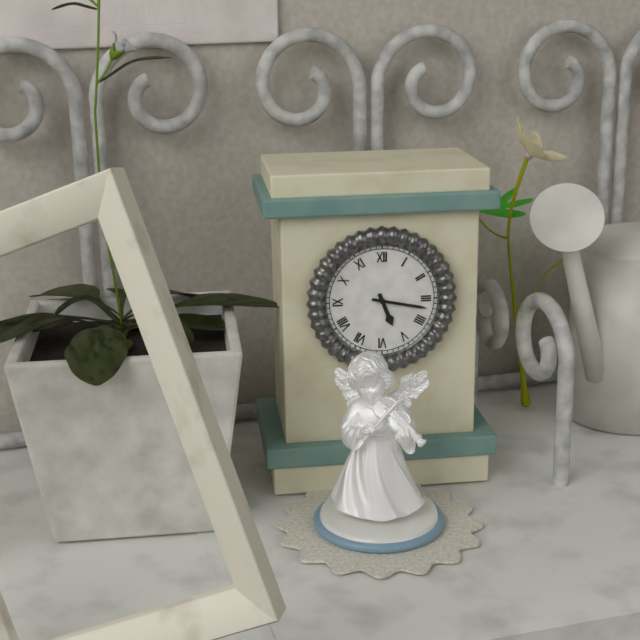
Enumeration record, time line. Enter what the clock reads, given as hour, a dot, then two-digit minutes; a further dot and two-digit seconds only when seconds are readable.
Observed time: 5.17
